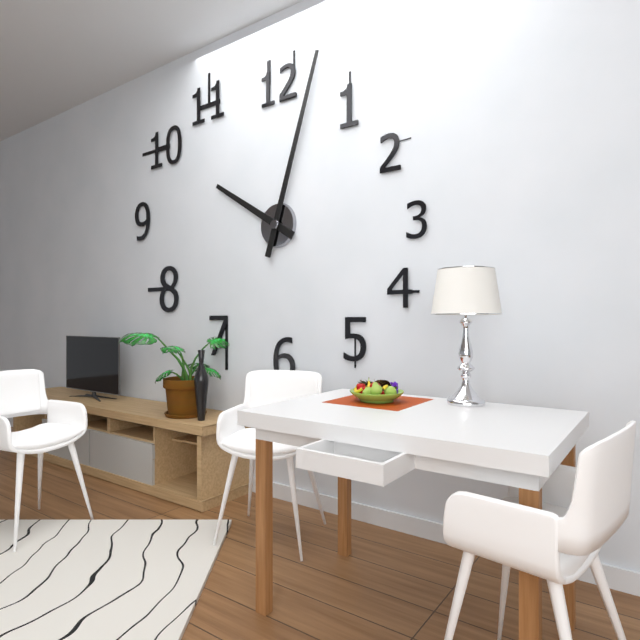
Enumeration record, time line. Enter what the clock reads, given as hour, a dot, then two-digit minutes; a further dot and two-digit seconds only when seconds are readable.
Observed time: 10.03
